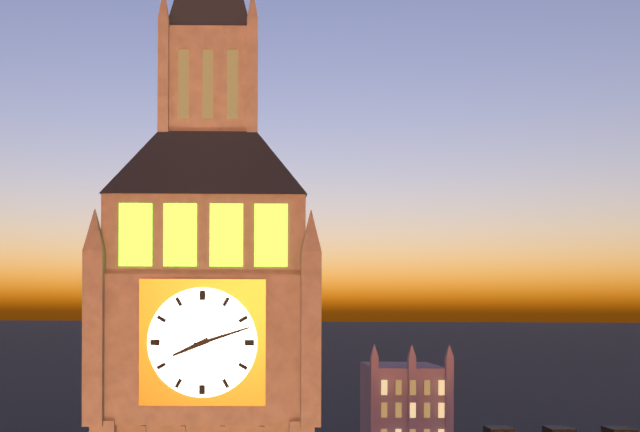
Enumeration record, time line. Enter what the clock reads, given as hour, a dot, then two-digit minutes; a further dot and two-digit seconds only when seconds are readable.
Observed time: 8.12
